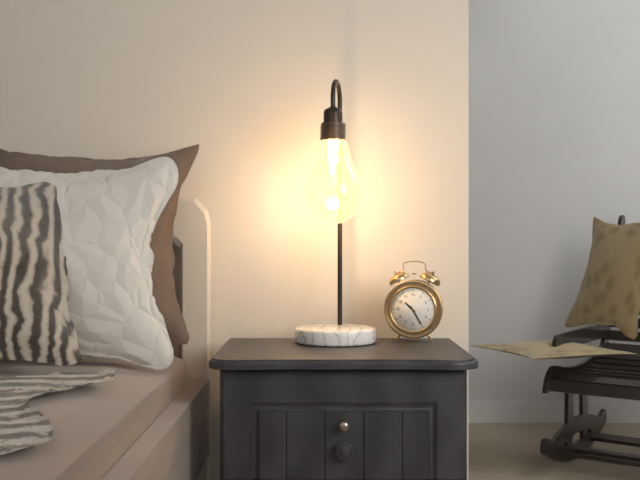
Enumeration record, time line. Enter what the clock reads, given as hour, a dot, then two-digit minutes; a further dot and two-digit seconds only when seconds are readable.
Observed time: 10.25
